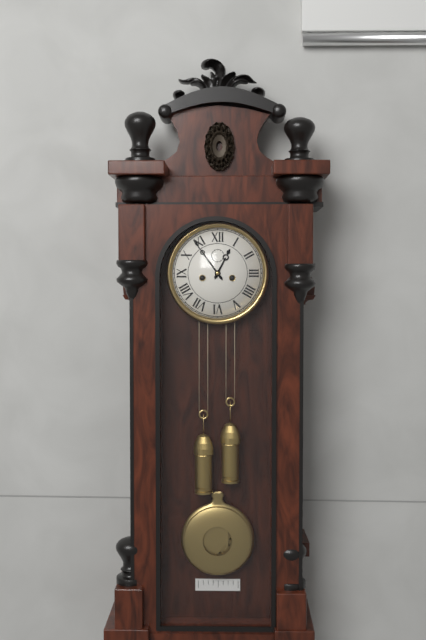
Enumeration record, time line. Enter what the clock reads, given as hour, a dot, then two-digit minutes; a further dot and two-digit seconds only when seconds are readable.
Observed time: 12.54
